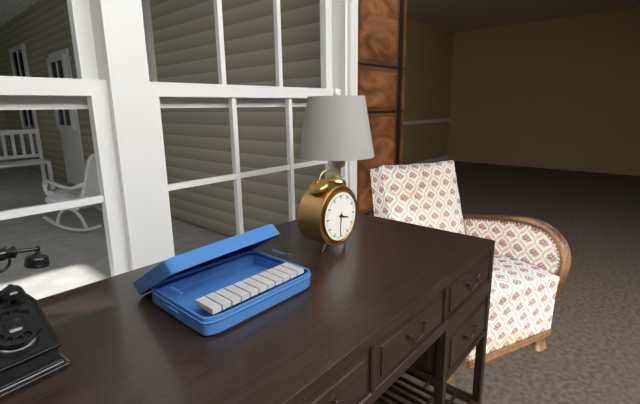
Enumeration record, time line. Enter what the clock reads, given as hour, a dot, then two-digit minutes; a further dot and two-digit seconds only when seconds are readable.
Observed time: 3.31
